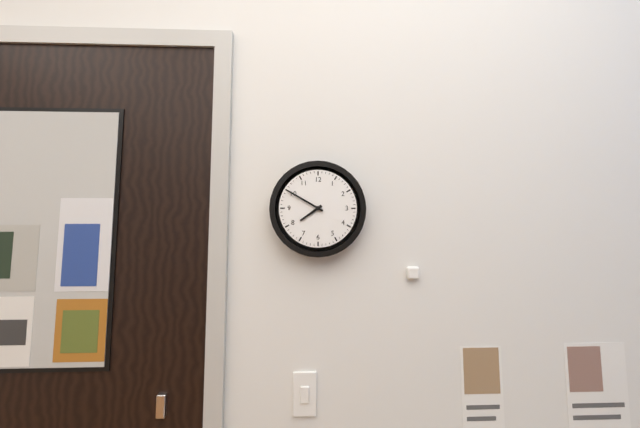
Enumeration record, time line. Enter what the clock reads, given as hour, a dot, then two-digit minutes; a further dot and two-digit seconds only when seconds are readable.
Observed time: 7.50
